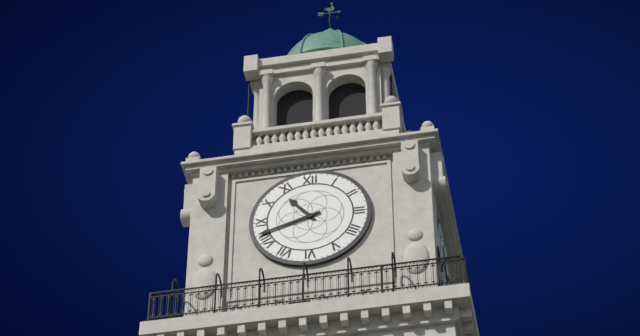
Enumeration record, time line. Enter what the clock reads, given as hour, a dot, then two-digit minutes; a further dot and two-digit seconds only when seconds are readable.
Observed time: 10.42
